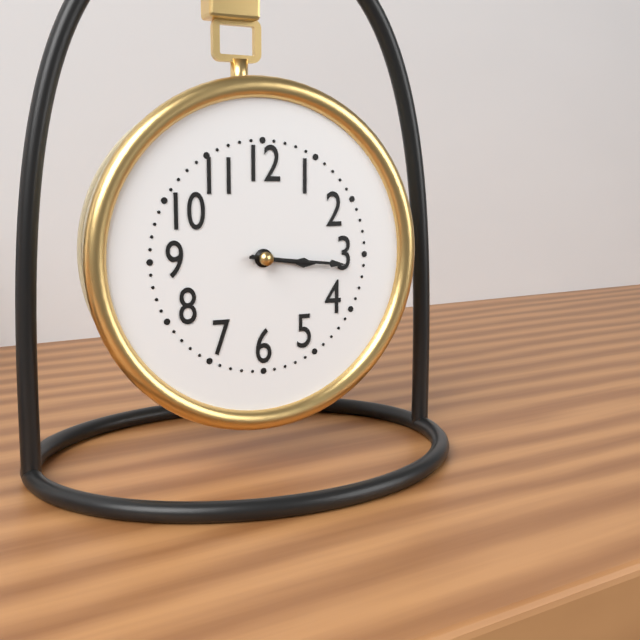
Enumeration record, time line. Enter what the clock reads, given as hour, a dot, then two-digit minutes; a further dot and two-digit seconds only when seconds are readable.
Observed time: 3.16
